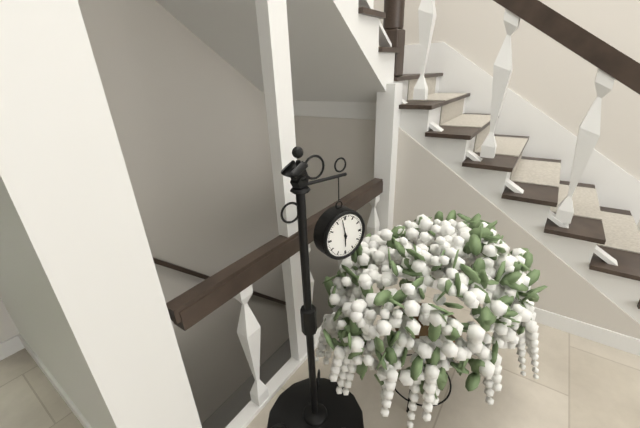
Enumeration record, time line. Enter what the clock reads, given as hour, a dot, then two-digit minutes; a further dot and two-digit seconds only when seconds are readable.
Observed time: 5.58
